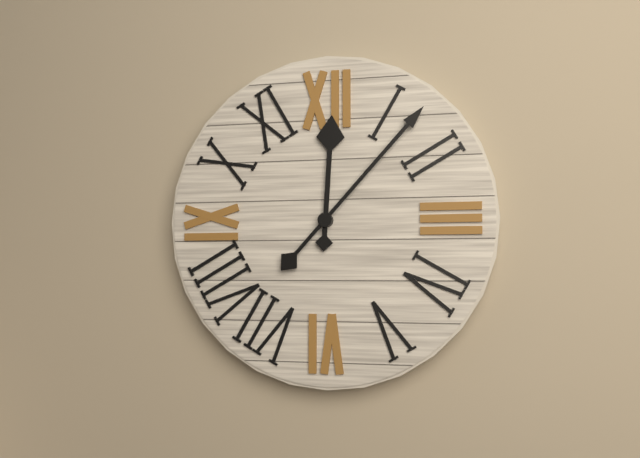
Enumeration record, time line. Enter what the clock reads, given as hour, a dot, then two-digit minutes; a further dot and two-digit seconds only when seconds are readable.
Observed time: 12.07
